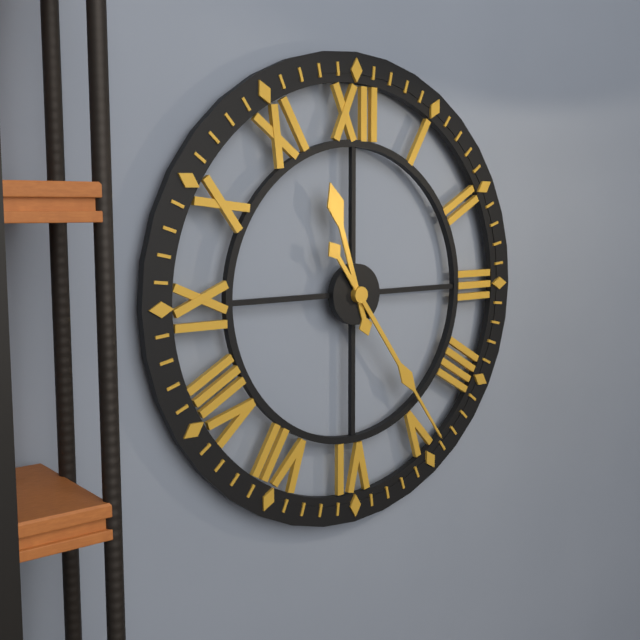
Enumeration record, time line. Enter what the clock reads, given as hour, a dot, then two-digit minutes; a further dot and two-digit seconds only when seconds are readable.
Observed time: 11.24
